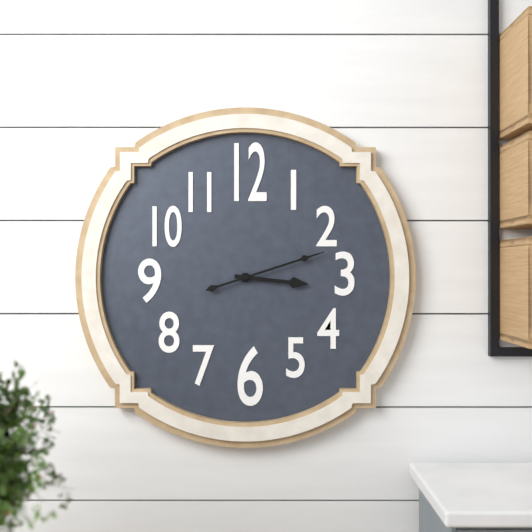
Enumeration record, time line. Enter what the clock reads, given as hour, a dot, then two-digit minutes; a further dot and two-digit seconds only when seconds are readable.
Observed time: 3.12
